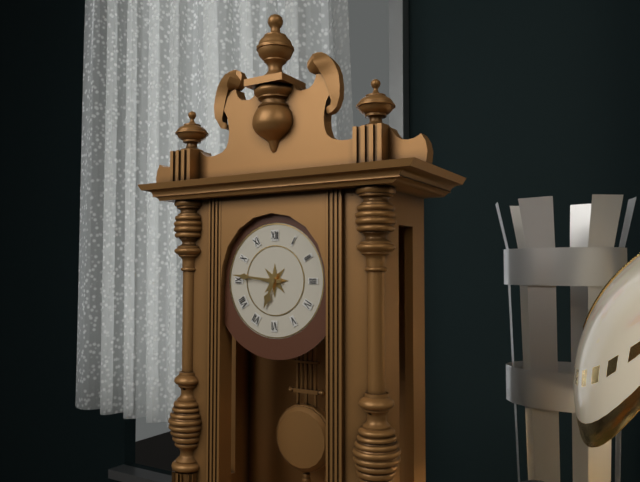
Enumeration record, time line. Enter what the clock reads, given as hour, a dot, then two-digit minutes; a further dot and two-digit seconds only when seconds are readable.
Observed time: 6.46
